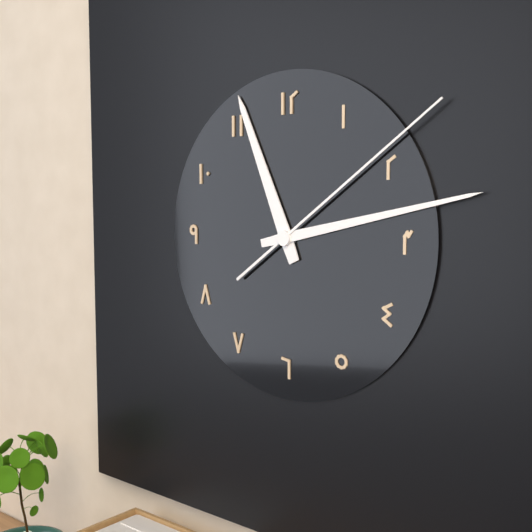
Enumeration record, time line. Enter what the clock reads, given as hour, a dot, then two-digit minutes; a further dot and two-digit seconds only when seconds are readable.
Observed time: 11.13.09
